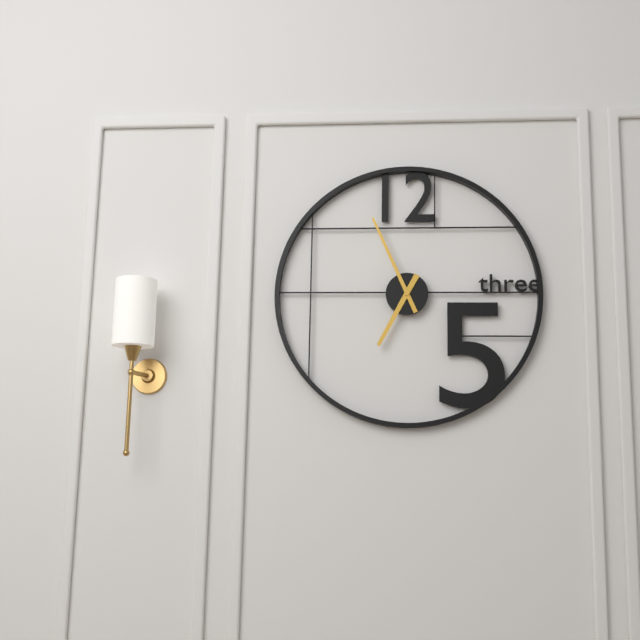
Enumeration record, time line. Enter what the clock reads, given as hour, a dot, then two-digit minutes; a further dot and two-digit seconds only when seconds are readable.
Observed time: 6.56
